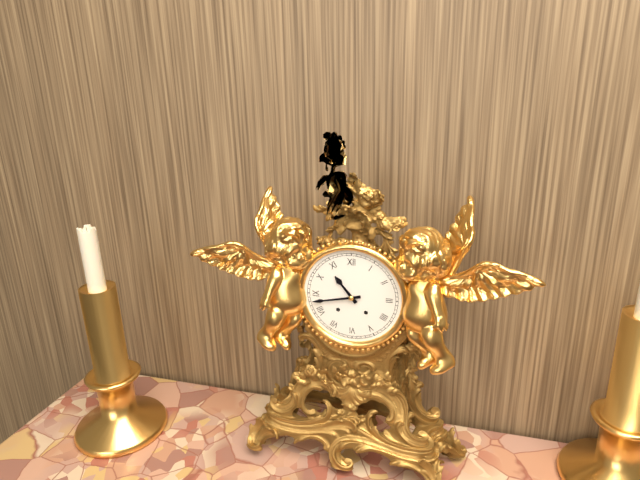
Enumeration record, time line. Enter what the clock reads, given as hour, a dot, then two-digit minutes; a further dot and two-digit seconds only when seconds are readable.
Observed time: 10.43
